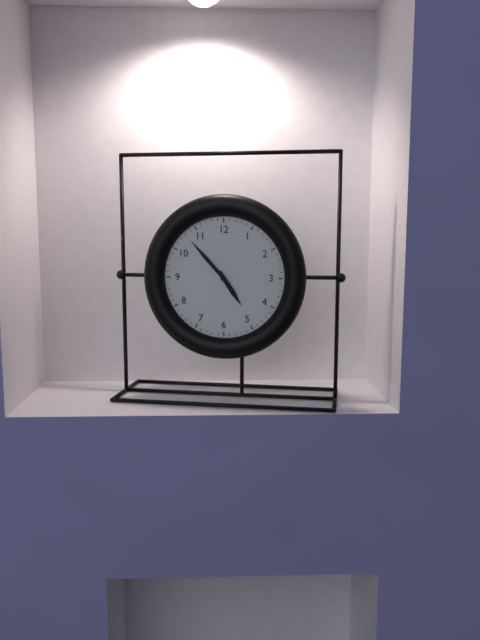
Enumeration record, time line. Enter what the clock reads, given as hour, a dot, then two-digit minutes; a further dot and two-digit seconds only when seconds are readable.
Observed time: 4.53
